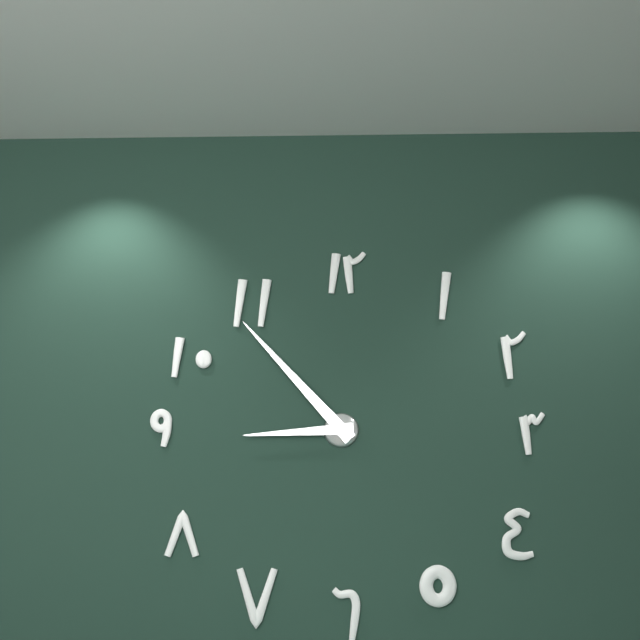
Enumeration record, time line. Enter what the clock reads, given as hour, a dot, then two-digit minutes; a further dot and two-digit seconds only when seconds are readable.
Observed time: 8.53
